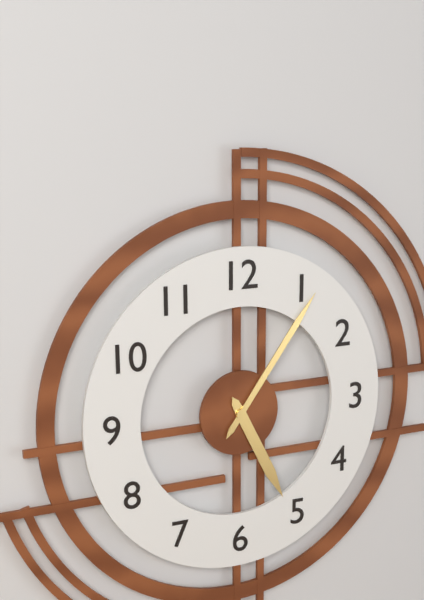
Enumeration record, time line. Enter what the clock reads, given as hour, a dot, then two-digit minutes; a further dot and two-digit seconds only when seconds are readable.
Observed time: 5.06
